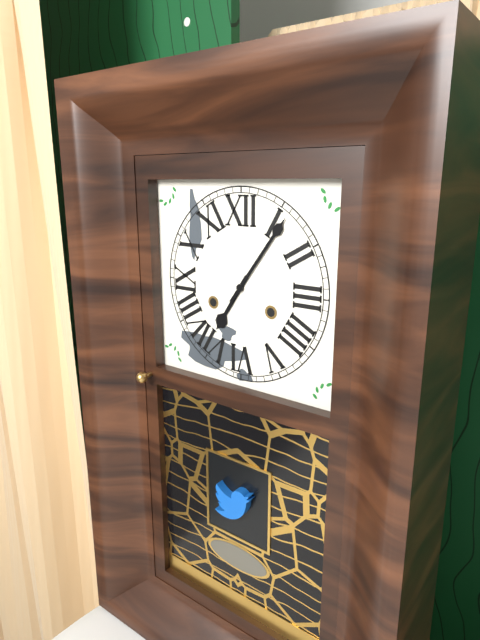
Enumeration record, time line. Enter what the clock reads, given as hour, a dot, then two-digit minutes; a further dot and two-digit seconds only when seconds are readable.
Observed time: 7.06
